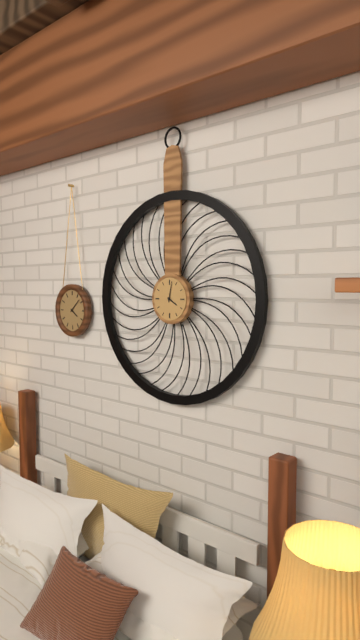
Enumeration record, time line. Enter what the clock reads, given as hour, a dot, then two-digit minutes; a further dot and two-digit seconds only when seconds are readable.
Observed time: 4.02
